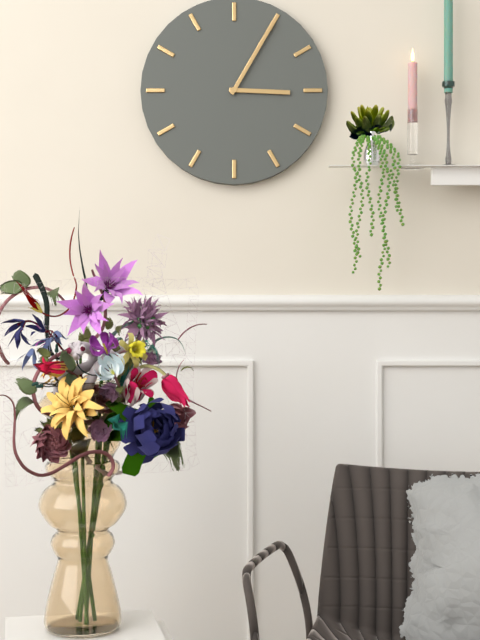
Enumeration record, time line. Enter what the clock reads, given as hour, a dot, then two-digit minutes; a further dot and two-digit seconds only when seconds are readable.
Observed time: 3.05
